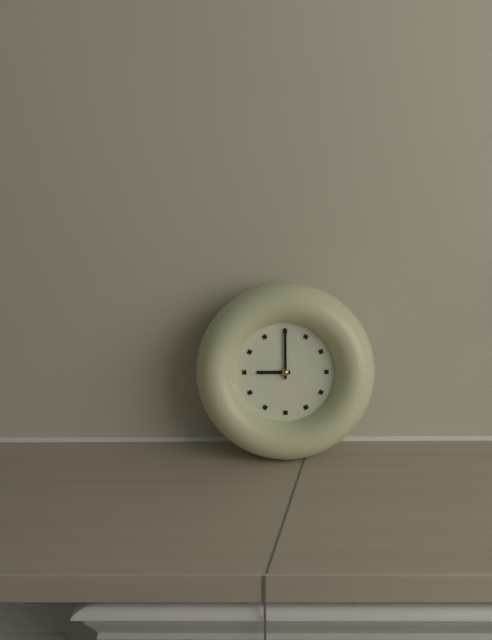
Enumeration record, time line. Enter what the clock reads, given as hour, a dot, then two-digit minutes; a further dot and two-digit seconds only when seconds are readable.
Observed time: 9.00
